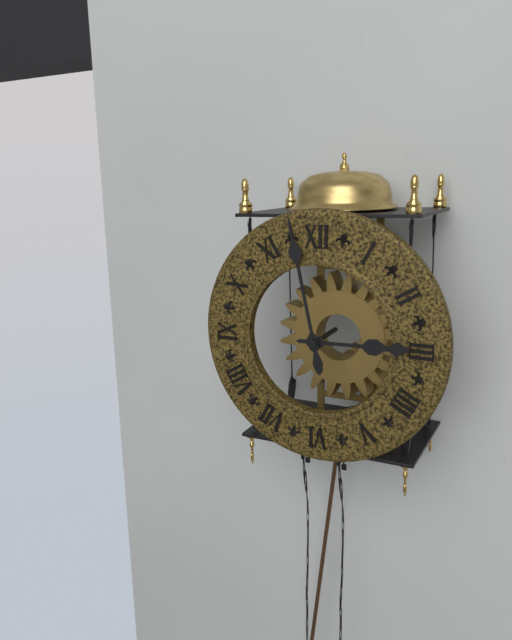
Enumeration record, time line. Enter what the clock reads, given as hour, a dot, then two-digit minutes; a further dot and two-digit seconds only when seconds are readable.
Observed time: 2.58
